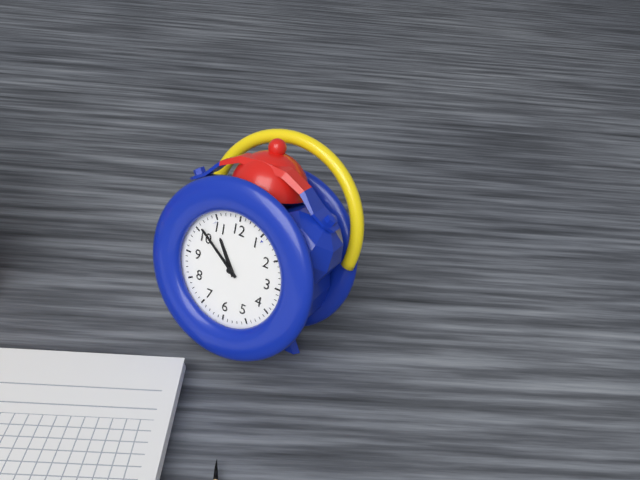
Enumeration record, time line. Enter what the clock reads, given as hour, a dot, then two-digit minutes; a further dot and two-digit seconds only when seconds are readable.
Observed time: 10.51
